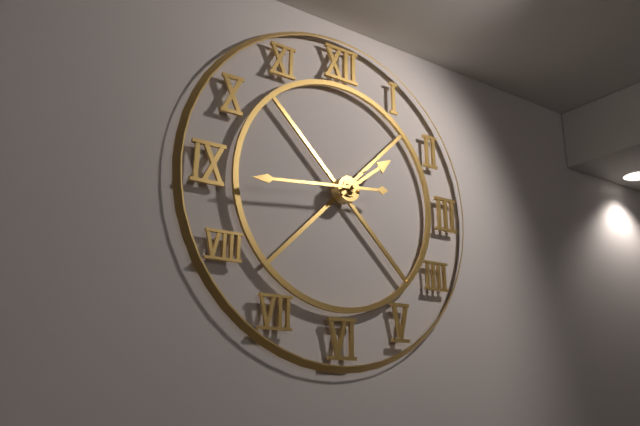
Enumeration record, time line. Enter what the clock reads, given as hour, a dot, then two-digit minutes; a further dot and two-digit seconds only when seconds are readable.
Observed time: 1.44
